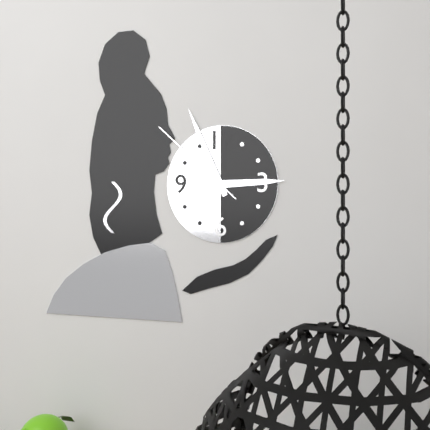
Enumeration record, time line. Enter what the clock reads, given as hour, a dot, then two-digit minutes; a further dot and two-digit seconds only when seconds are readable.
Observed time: 2.56.52
